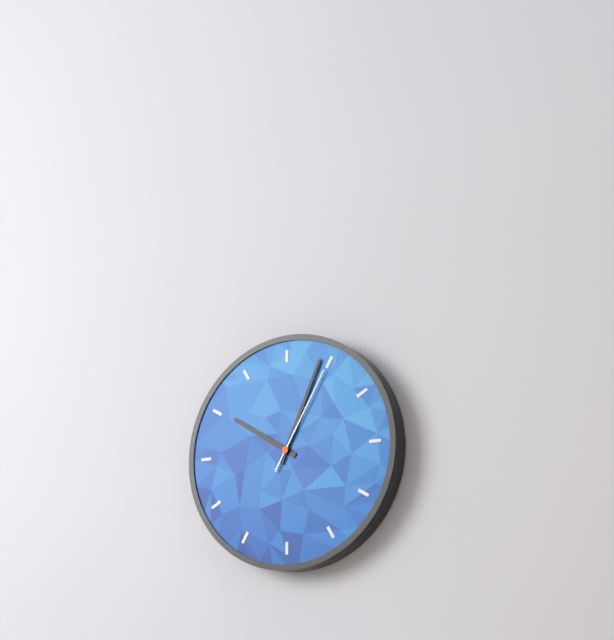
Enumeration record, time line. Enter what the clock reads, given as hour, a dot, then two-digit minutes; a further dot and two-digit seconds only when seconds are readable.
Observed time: 10.04.05
